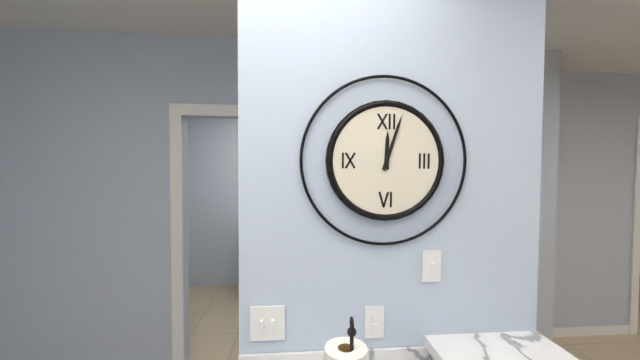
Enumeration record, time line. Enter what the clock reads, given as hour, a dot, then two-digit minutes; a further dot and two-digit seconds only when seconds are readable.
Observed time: 12.03
